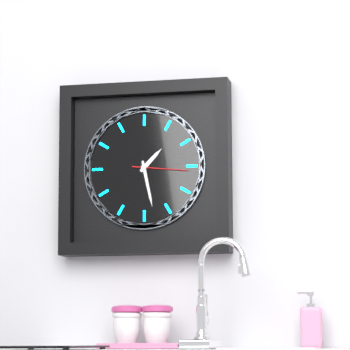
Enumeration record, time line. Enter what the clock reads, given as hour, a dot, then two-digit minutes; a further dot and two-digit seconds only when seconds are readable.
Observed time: 1.28.16
